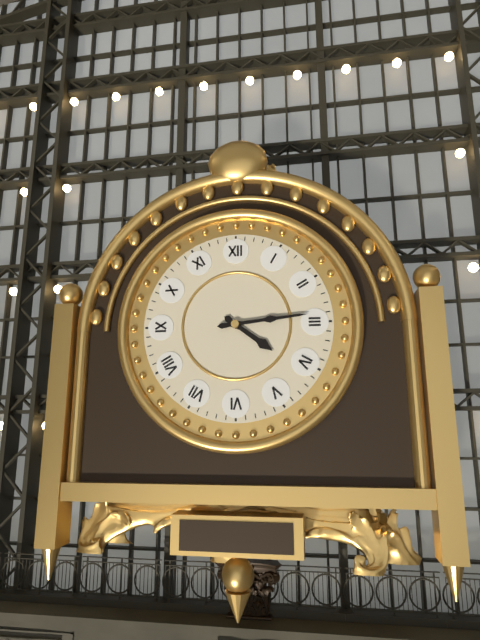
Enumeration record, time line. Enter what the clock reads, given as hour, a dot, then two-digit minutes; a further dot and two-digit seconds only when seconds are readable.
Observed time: 4.14
